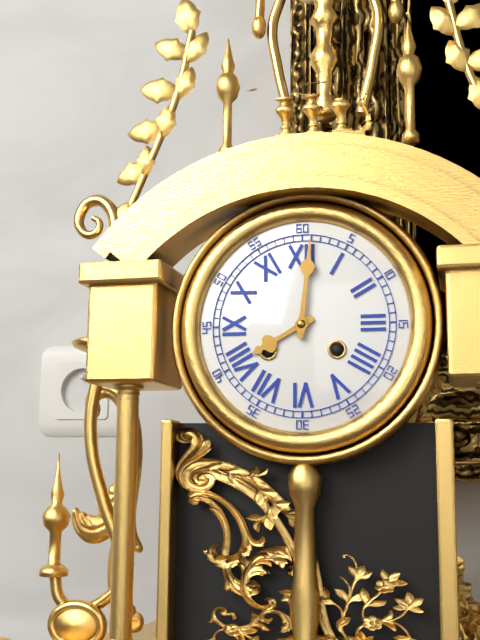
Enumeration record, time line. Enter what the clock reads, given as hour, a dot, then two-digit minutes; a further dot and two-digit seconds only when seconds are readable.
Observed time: 8.01
